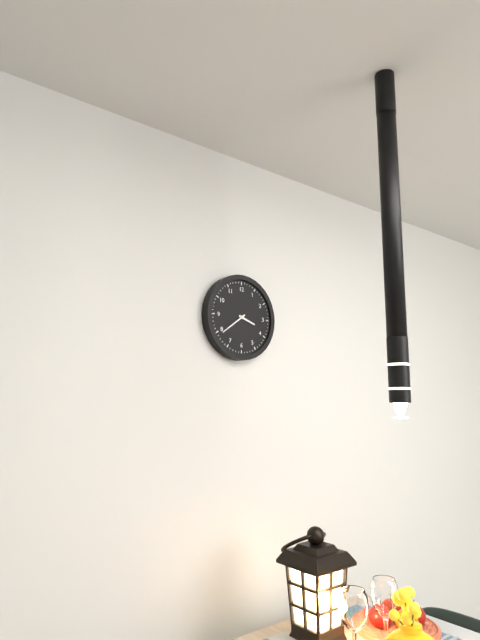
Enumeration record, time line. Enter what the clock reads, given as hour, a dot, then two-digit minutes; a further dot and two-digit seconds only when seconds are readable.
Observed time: 3.39
